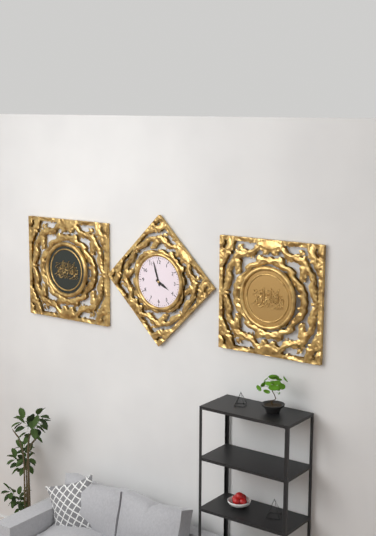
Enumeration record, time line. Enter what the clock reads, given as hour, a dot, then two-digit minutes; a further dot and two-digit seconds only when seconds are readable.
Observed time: 3.57
